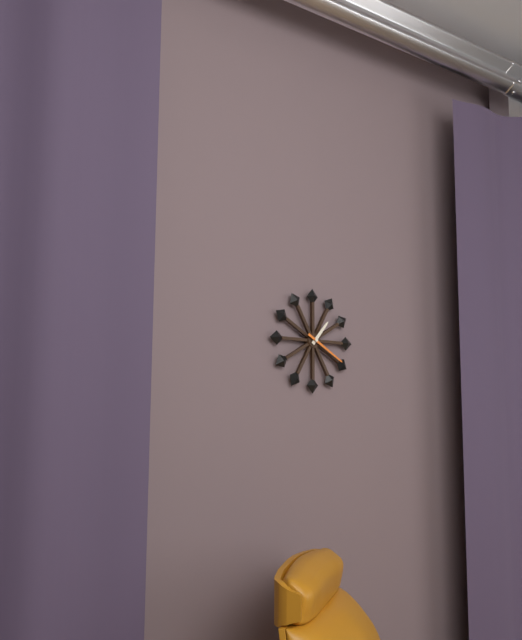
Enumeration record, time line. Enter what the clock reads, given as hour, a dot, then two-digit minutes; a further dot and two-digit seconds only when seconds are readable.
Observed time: 1.20
